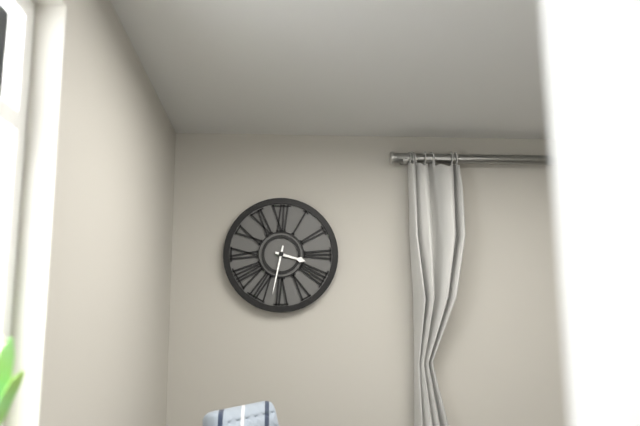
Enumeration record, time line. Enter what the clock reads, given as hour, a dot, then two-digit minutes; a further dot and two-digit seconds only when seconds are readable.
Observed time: 3.32
